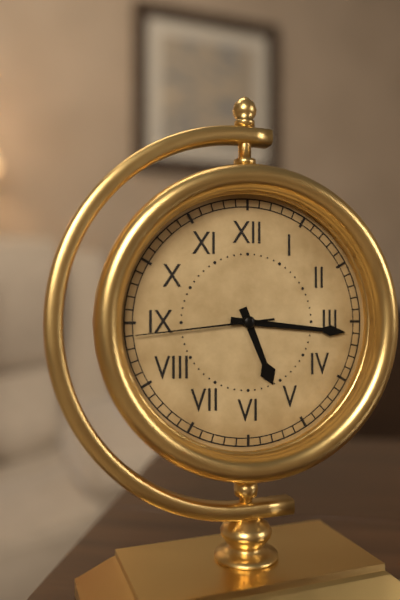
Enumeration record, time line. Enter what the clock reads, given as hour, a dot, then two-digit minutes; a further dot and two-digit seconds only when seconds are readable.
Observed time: 5.16.44
